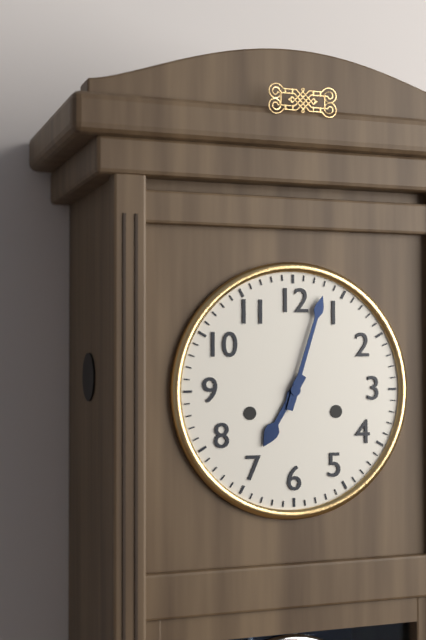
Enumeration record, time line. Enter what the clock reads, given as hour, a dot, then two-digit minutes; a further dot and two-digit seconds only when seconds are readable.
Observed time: 7.03
